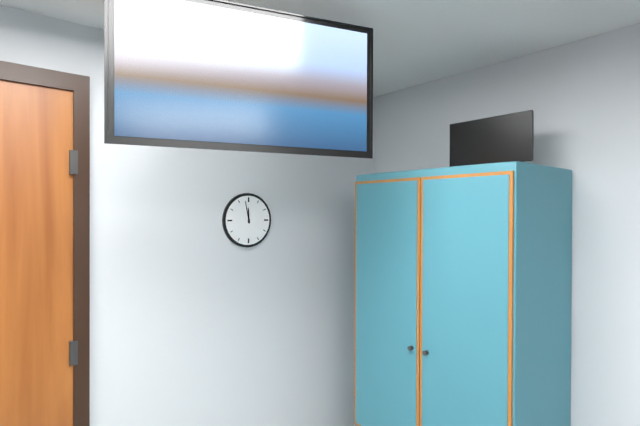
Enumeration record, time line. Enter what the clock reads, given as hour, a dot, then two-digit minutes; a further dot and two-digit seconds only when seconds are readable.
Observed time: 11.58
